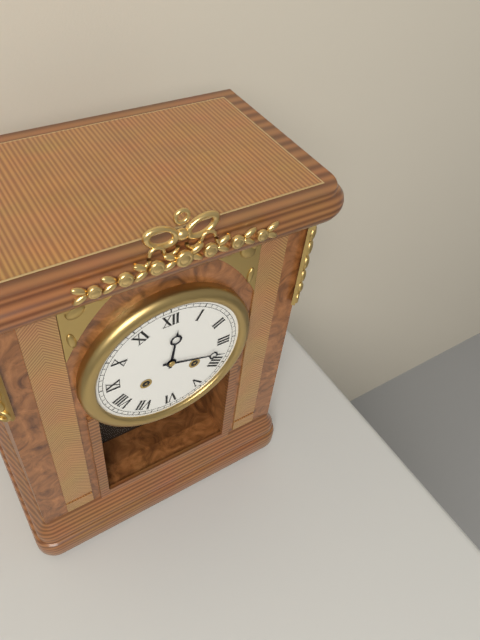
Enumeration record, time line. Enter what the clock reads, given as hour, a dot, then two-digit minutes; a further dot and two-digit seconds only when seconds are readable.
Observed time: 12.18
